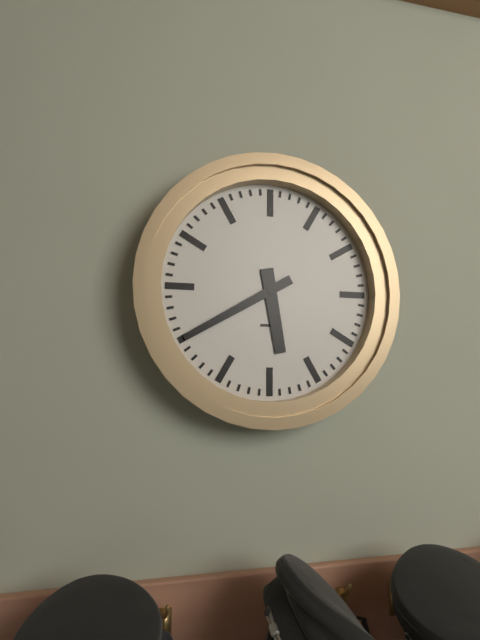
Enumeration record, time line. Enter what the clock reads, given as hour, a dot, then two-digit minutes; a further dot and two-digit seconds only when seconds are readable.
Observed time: 5.40
